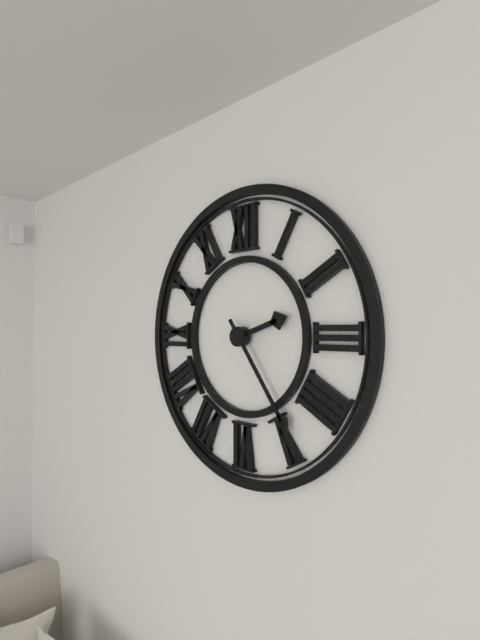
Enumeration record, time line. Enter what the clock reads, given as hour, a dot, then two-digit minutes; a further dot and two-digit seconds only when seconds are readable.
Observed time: 2.24
